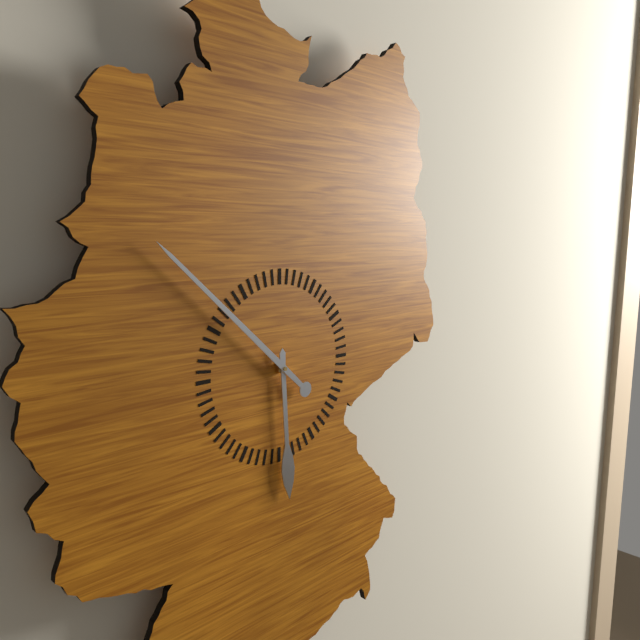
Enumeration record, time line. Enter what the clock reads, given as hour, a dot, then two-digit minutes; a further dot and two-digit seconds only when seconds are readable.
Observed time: 5.52
